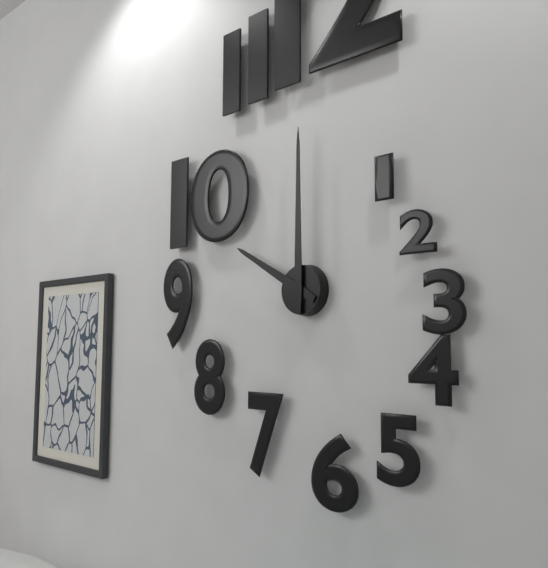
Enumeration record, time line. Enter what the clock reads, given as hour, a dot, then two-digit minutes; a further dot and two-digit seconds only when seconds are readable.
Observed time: 10.00
